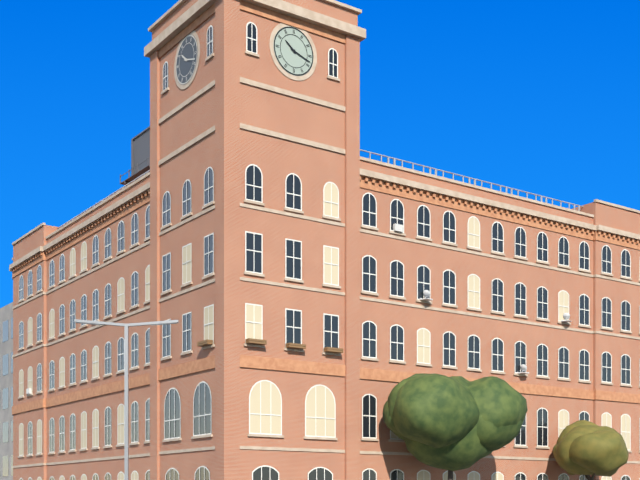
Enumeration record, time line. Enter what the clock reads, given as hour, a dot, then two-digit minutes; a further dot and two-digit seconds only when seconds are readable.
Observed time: 10.18
